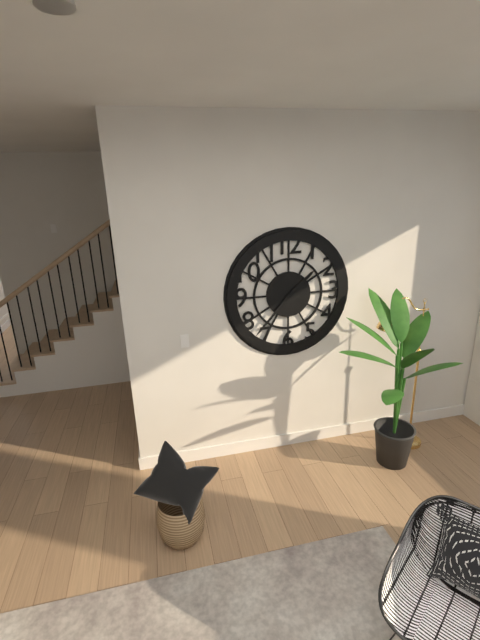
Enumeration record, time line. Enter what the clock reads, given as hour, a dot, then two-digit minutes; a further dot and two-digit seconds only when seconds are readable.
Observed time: 1.37
